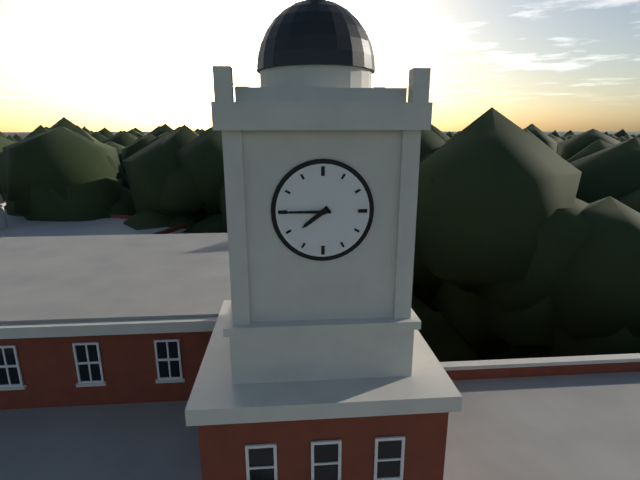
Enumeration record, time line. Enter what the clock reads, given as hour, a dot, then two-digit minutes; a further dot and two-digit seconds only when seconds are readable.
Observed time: 7.45
